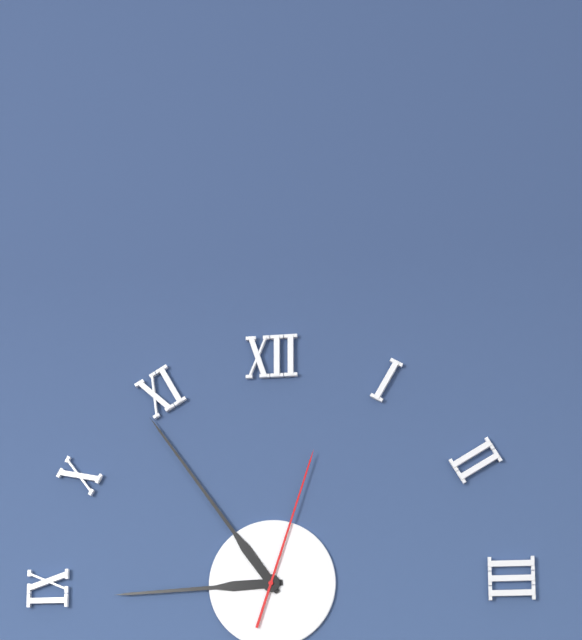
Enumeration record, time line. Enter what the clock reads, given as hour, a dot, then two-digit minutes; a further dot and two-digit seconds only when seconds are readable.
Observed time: 8.54.03
